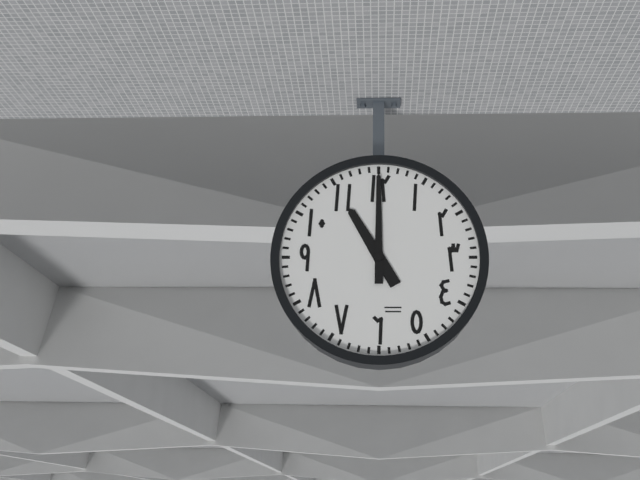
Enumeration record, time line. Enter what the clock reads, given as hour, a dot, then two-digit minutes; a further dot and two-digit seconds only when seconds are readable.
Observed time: 11.00
